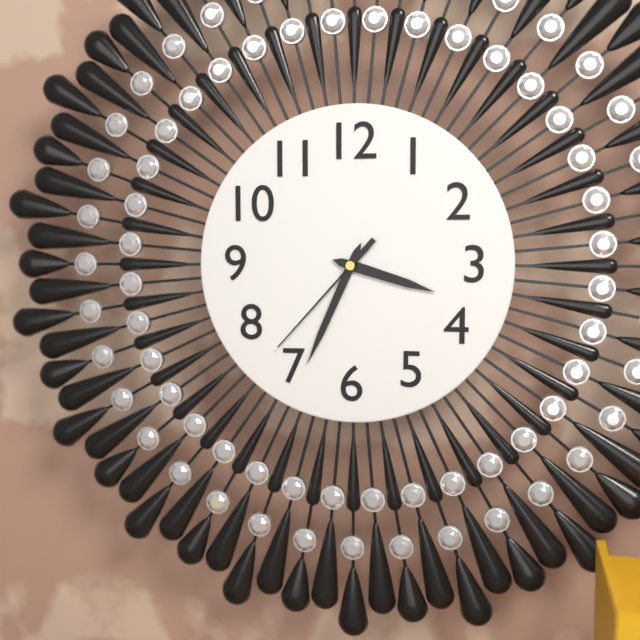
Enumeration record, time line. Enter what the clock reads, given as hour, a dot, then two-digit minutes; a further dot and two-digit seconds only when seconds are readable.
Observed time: 3.34.37
